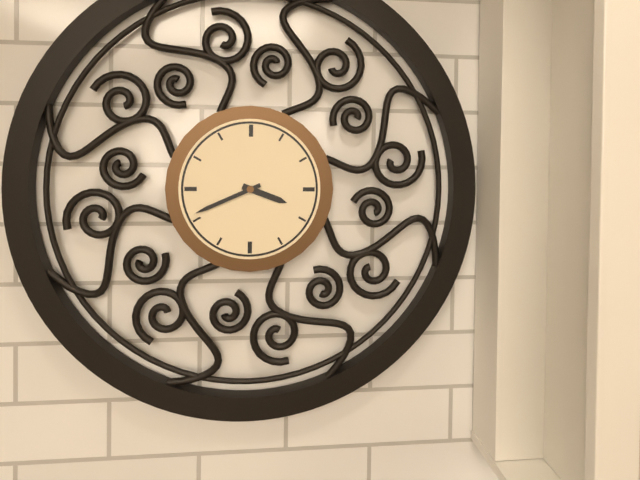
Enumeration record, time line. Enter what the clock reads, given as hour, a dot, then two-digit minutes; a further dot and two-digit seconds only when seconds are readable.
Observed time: 3.41
